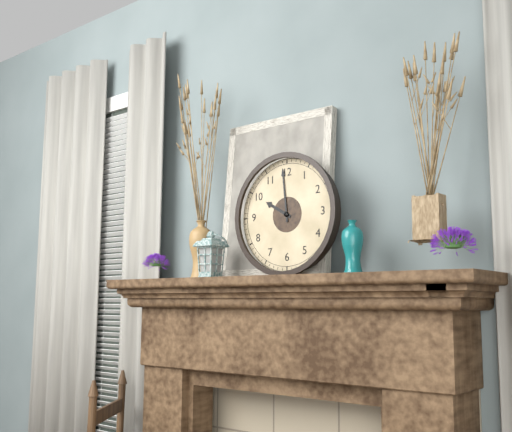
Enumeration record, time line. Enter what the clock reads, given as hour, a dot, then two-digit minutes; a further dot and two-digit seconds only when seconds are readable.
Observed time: 9.59
